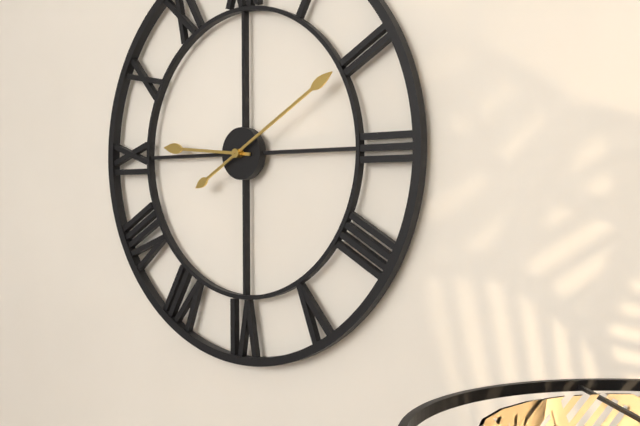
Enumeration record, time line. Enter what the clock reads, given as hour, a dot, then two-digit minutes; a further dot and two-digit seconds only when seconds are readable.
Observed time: 9.10
